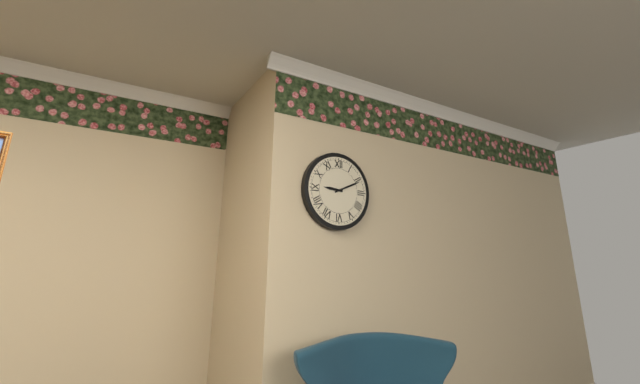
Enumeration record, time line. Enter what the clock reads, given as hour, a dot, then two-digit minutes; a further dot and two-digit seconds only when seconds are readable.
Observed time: 9.11
